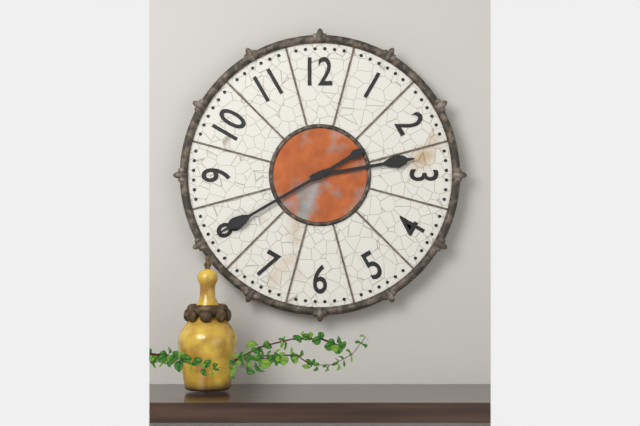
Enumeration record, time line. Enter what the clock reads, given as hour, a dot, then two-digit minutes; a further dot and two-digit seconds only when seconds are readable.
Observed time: 2.40
